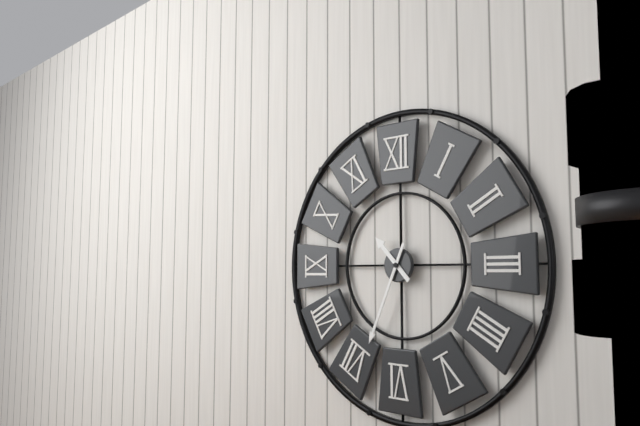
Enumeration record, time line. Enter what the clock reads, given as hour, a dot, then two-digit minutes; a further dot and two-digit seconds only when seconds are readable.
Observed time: 10.34
